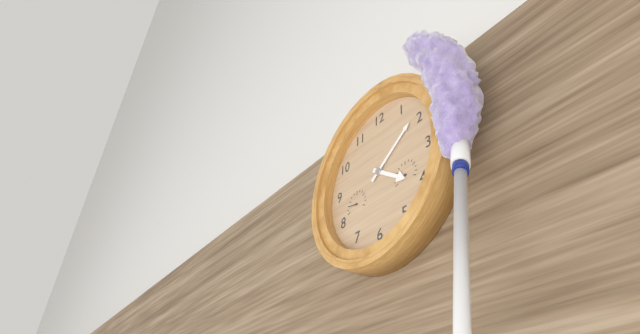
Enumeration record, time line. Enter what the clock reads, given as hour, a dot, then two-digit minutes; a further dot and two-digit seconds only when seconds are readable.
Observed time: 4.09
